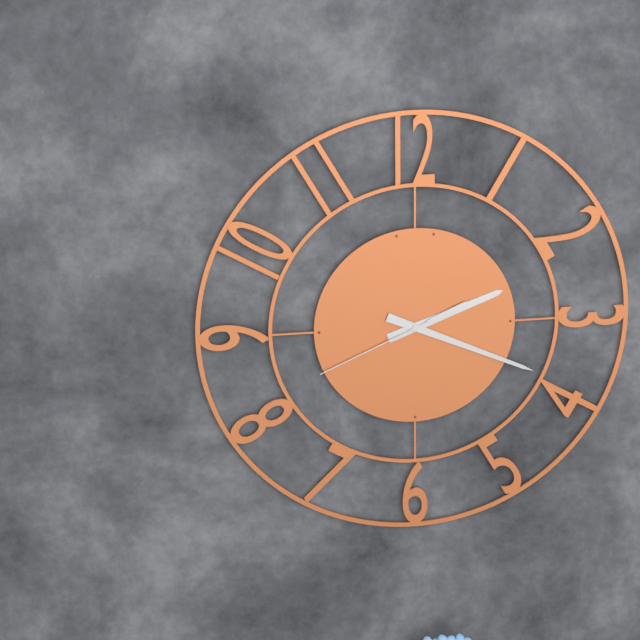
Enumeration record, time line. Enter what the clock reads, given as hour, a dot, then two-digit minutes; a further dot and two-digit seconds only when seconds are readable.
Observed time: 2.19.41
